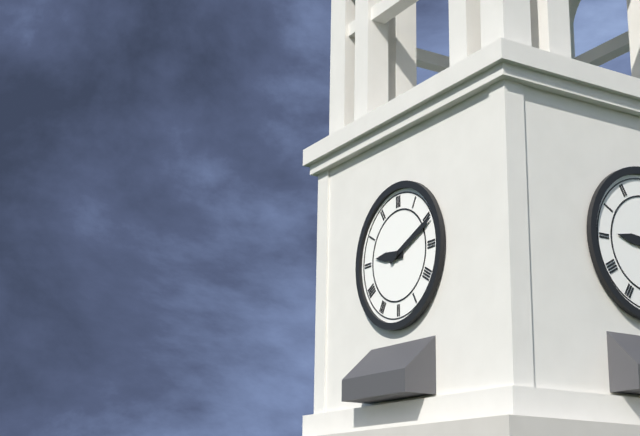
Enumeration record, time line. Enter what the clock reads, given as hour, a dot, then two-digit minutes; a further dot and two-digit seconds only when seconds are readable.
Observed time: 9.11
